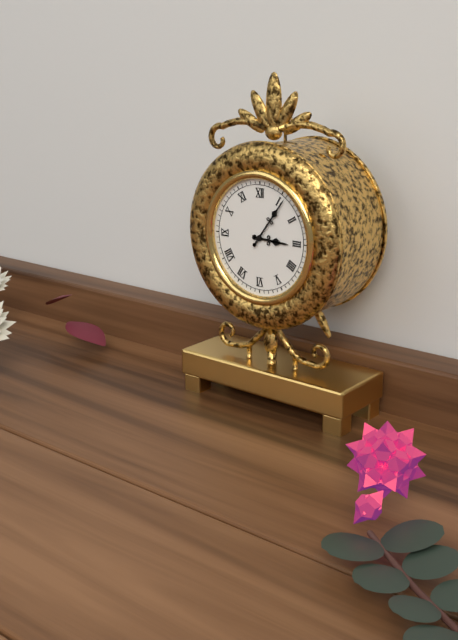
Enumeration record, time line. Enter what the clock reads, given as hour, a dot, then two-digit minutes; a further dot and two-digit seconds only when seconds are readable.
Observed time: 3.06
